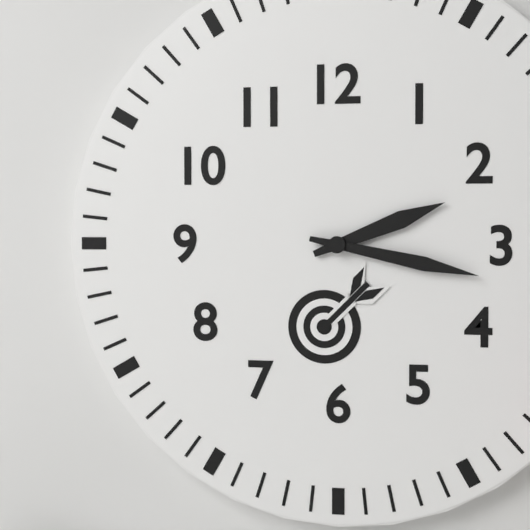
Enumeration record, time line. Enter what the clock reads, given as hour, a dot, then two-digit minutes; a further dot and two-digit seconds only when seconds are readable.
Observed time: 2.17
